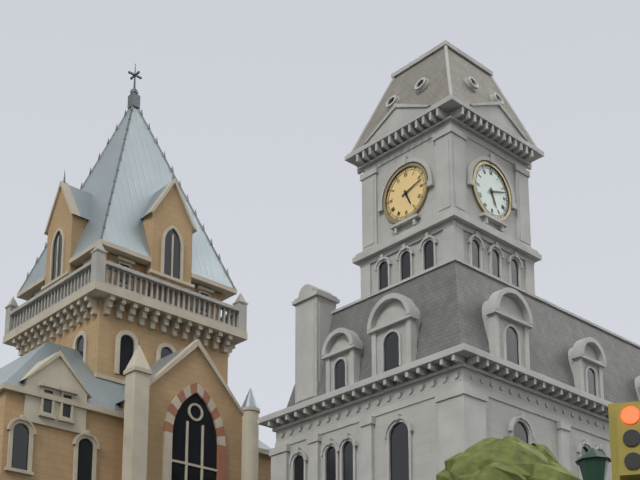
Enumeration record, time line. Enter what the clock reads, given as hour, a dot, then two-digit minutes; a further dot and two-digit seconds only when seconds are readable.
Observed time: 5.12
